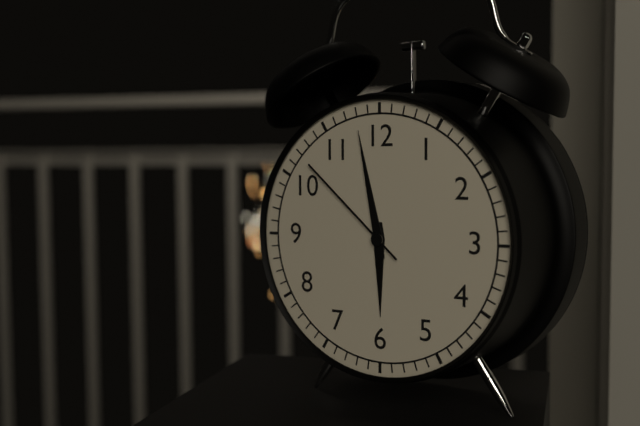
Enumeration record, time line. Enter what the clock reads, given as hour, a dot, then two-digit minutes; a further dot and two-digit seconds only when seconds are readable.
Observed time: 5.58.52
